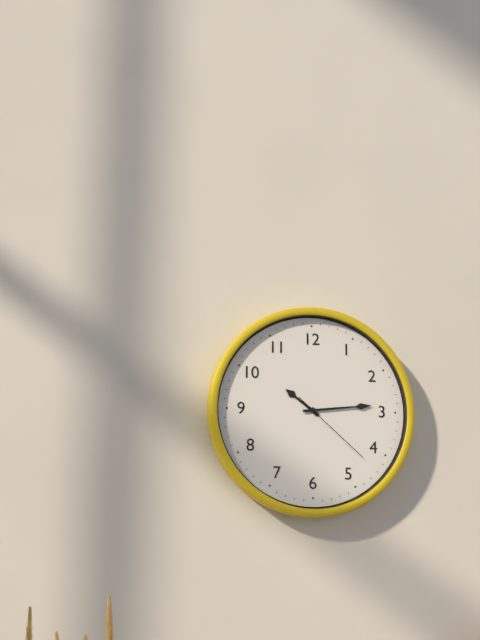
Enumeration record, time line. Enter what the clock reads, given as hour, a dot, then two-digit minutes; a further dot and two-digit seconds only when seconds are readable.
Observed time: 10.14.22
